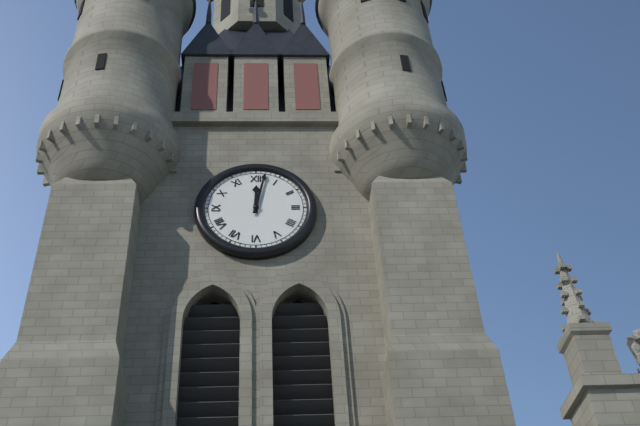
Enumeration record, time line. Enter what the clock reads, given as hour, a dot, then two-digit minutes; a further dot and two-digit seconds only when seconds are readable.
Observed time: 12.02
